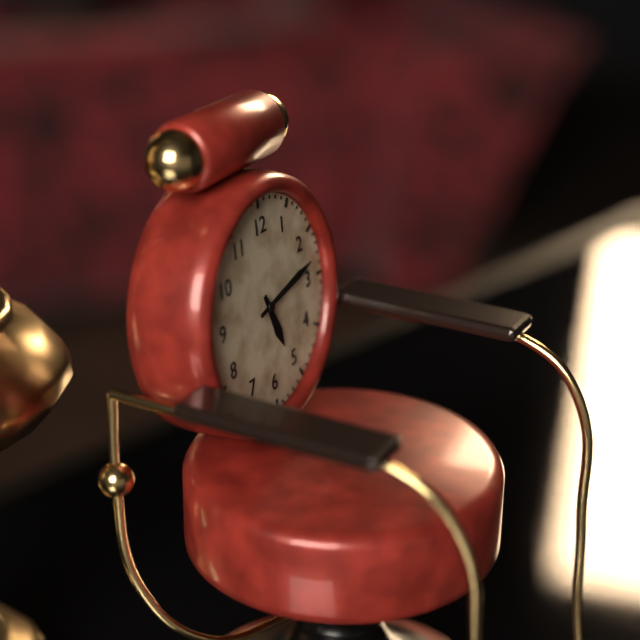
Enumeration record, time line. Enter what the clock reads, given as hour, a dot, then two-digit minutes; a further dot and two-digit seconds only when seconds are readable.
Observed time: 5.13
